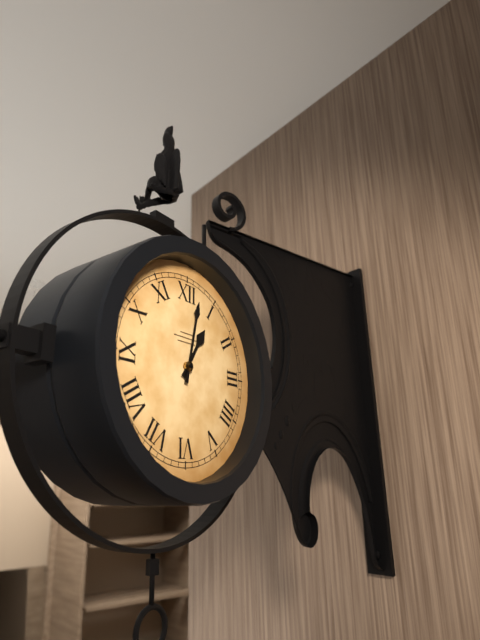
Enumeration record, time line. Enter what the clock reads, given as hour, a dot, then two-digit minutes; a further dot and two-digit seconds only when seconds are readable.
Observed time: 1.02
